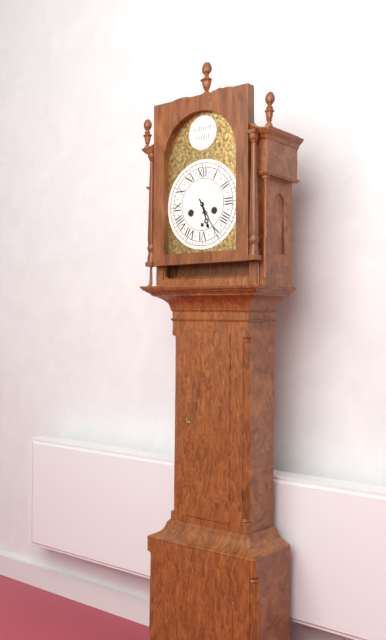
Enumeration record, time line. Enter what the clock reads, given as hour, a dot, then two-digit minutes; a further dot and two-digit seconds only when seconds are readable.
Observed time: 5.25
